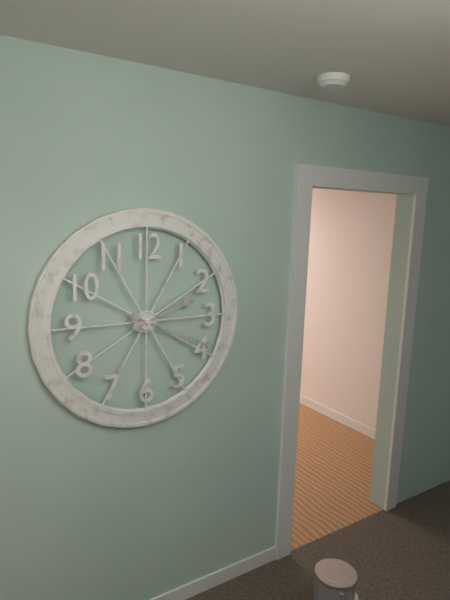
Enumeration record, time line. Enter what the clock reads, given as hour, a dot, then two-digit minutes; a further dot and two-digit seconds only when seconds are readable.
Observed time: 2.19
